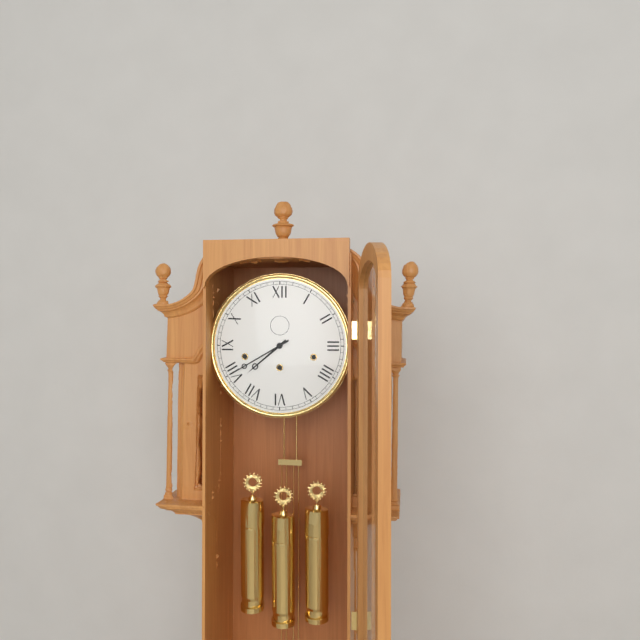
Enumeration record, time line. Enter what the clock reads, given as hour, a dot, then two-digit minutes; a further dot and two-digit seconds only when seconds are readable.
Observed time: 7.40
